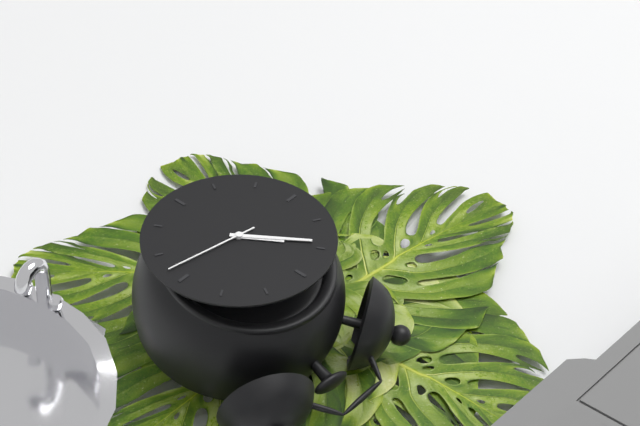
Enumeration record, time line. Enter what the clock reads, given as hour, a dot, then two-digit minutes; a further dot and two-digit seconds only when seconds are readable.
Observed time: 10.54.17
